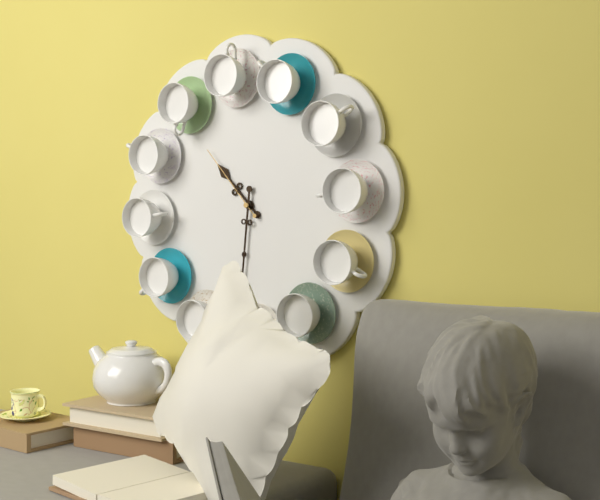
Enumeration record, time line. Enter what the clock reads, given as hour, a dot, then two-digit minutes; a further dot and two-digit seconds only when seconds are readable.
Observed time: 10.31.53
